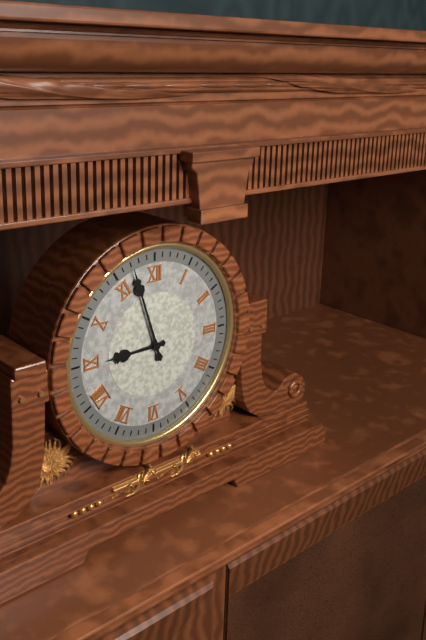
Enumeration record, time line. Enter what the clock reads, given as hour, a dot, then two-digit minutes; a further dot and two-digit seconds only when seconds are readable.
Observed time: 8.57
